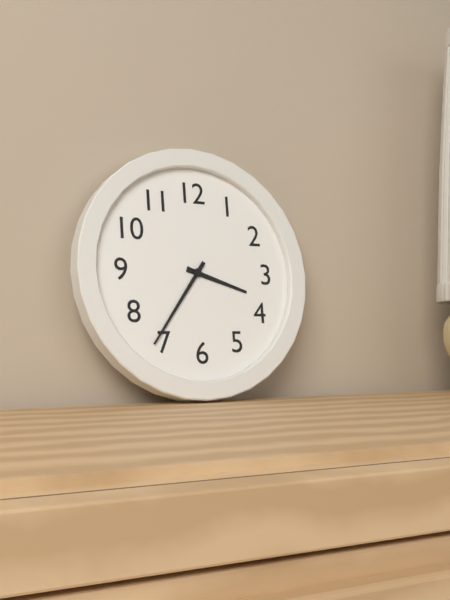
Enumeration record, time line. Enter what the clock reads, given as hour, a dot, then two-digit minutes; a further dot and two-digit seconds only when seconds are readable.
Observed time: 3.36
